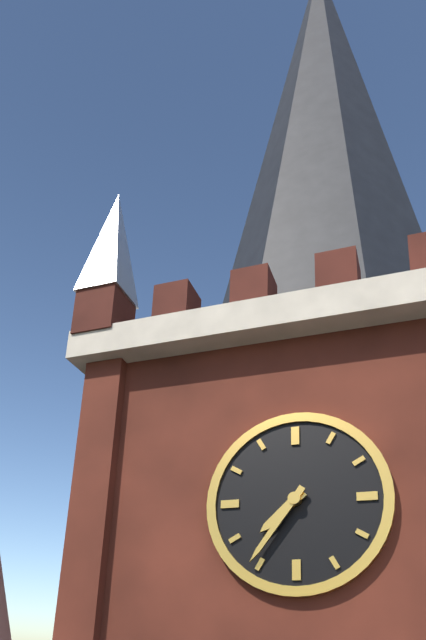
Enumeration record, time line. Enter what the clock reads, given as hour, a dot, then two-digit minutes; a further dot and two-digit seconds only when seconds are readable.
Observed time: 7.36
